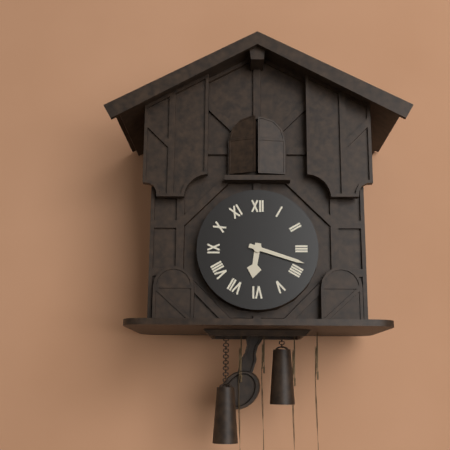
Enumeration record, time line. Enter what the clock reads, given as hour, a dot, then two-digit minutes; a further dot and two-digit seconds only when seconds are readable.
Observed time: 6.18
